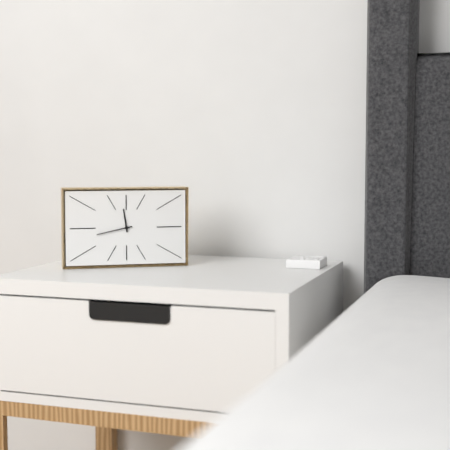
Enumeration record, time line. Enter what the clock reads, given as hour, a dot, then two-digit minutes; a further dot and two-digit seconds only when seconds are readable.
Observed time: 11.43
